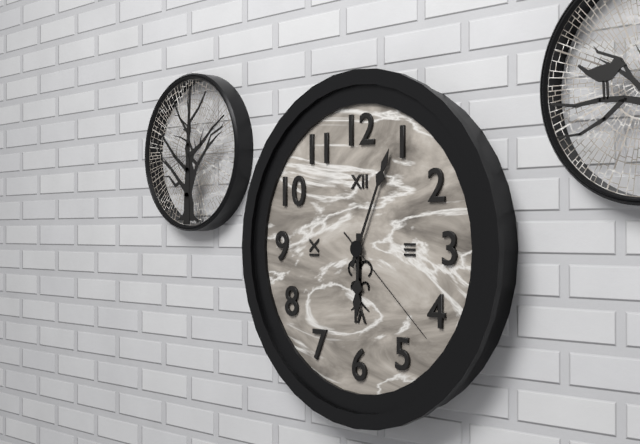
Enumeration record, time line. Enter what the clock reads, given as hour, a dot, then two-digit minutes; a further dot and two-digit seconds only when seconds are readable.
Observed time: 6.04.22
